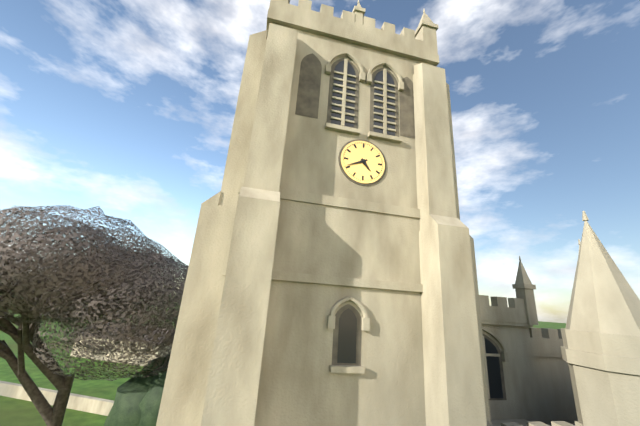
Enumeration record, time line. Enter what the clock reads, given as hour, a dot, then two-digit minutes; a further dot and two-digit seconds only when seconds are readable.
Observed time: 4.41
